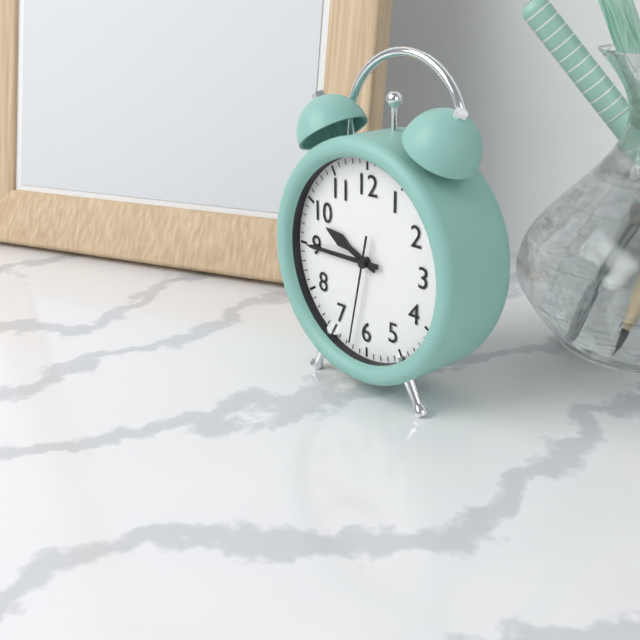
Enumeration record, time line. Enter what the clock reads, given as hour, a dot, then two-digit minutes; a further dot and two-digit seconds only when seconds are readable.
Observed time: 9.45.32
